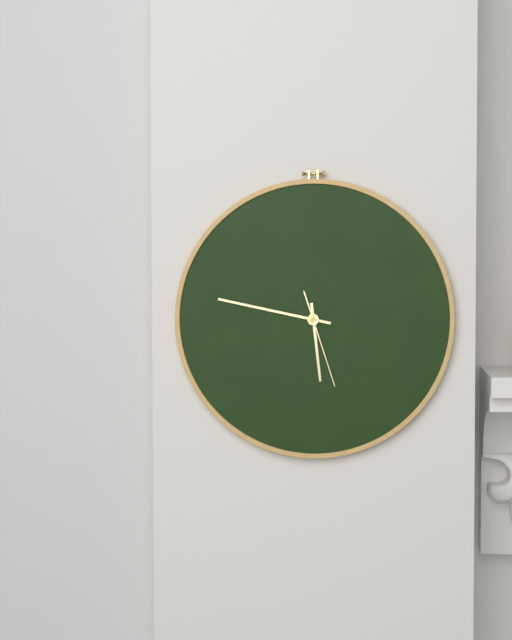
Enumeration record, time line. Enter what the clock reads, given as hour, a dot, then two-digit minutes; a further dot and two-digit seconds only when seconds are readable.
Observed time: 5.47.27
